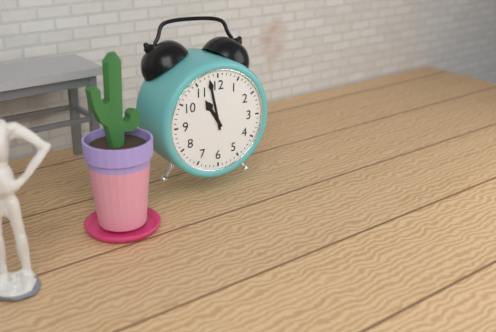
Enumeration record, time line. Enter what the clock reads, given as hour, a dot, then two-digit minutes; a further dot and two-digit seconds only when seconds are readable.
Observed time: 10.58
